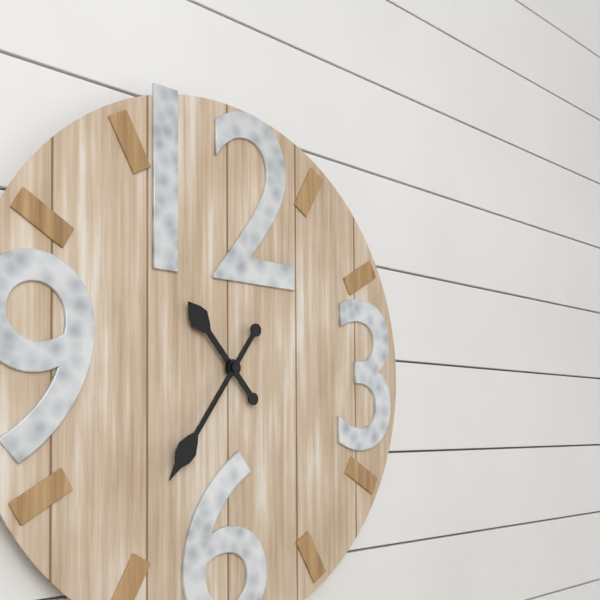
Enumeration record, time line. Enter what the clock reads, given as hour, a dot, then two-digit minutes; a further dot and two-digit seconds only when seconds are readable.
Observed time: 10.36
